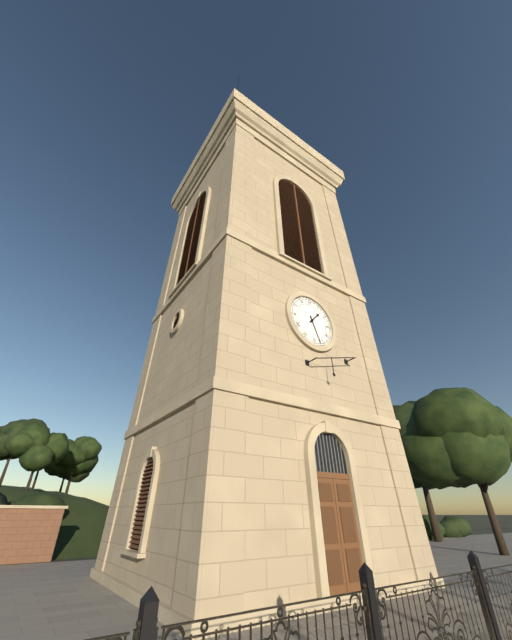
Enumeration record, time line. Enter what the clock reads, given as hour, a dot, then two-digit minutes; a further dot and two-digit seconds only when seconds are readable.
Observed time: 1.27
